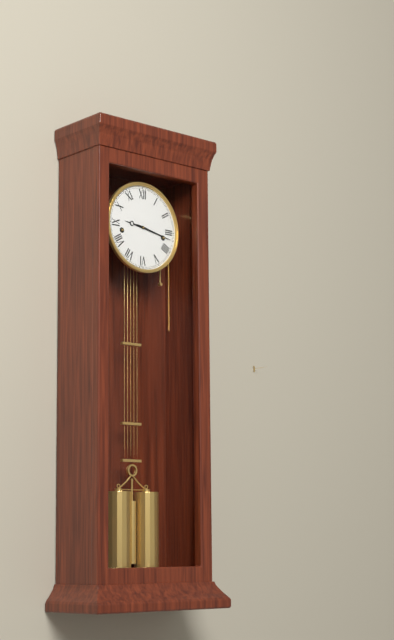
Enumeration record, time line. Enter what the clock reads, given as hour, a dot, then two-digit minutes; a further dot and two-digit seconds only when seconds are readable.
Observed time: 9.17
